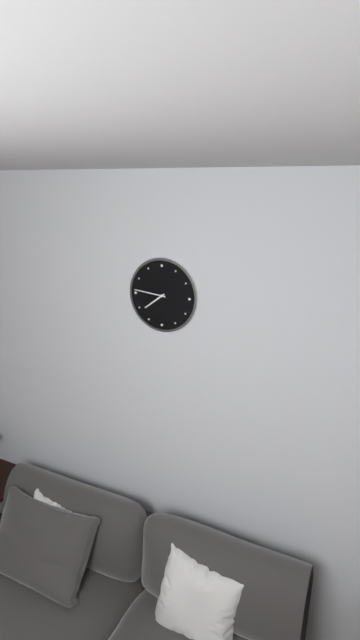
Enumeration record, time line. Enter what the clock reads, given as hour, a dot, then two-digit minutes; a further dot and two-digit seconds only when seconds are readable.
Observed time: 7.46
